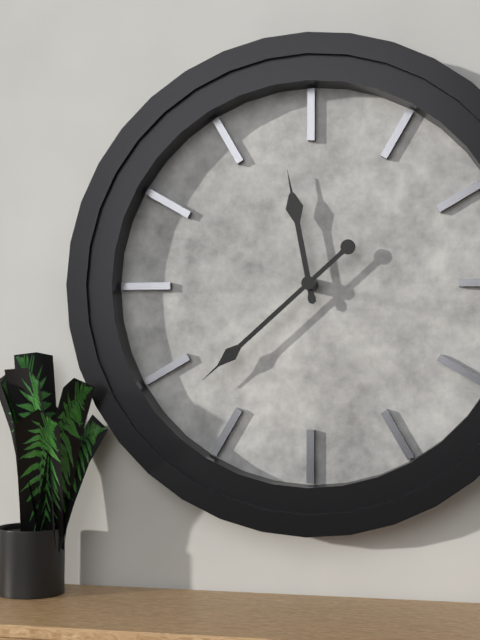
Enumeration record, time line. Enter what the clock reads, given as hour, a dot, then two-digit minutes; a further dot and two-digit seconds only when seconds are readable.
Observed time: 11.38
